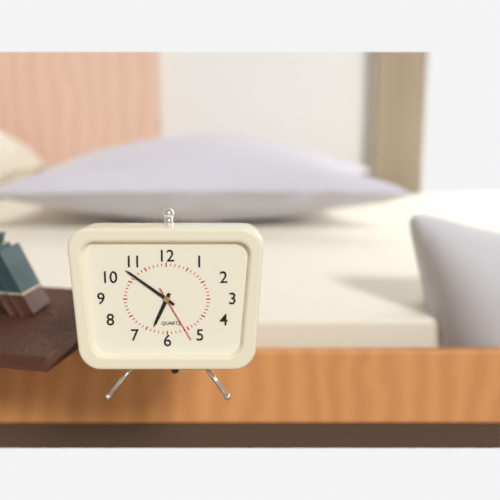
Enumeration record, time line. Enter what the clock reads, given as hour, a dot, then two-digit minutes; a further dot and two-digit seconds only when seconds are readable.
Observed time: 6.51.25
